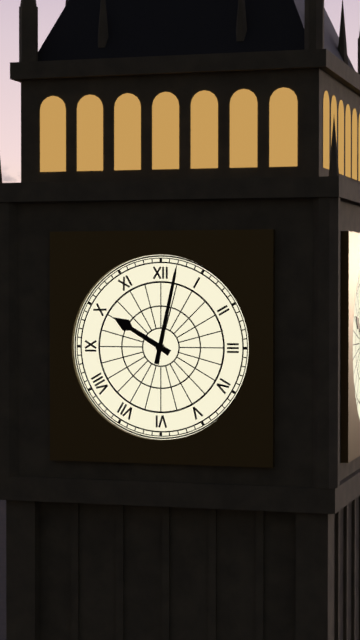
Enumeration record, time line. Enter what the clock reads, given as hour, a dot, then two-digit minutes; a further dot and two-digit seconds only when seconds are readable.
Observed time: 10.02
